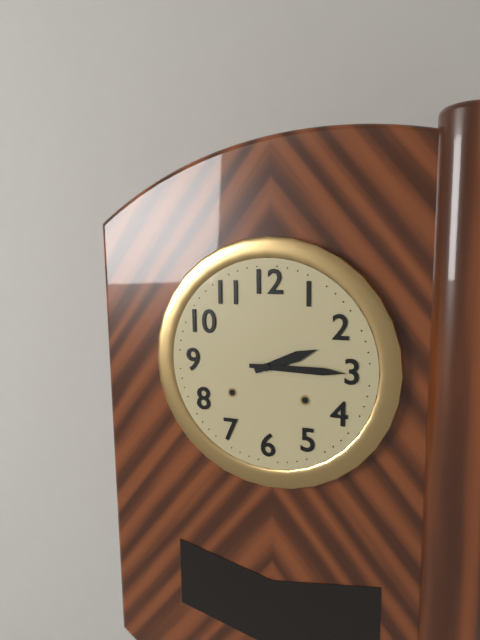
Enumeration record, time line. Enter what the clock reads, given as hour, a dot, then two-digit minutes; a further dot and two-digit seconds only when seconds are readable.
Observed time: 2.15
